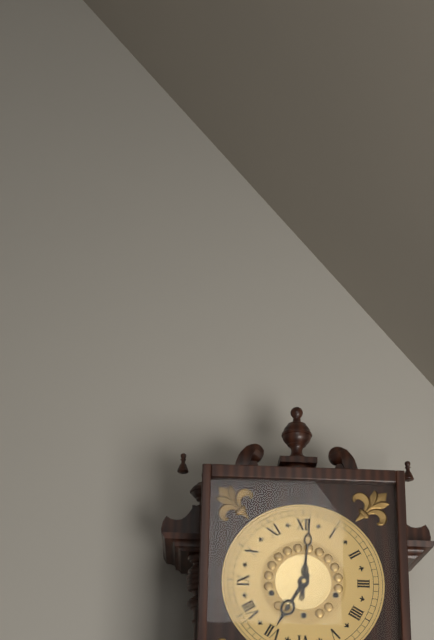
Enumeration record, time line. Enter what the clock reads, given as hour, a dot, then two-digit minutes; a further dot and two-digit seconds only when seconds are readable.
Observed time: 7.01
